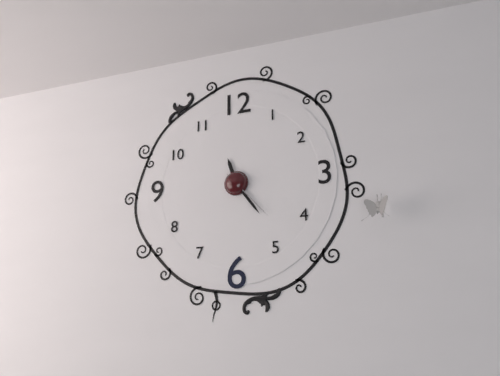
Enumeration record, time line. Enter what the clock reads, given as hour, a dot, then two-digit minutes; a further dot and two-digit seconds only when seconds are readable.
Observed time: 11.24.23
